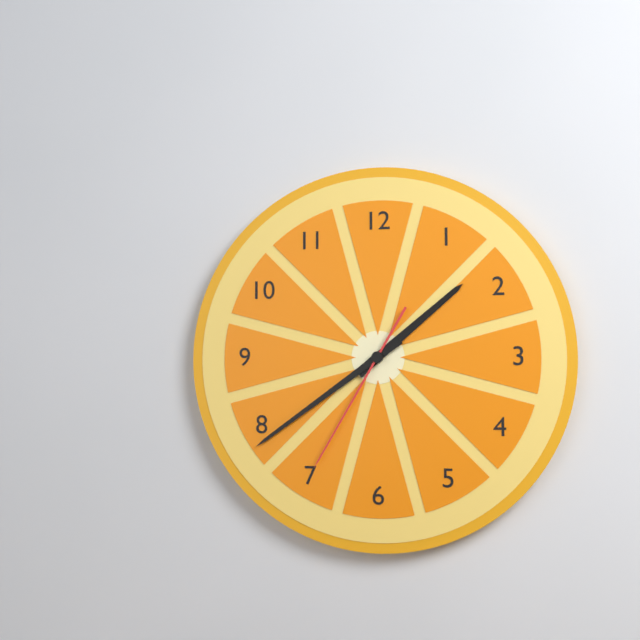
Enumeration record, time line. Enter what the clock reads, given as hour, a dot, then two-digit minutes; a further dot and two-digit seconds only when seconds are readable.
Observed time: 1.39.35
